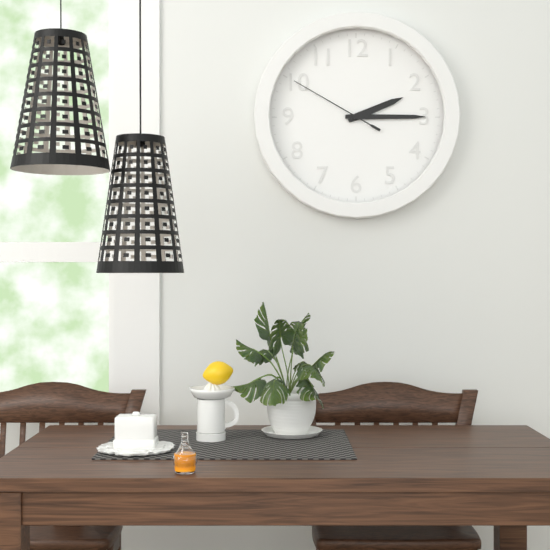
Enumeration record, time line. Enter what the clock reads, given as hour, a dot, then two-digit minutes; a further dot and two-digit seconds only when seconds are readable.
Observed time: 2.15.50
